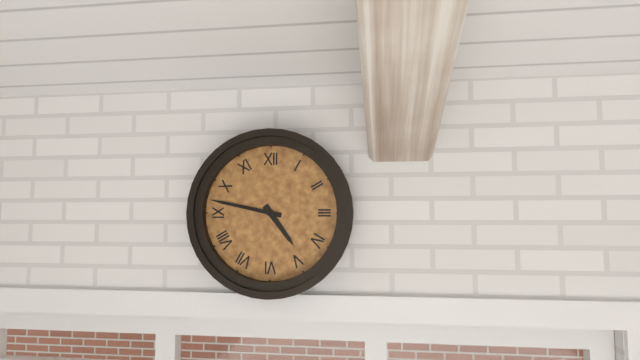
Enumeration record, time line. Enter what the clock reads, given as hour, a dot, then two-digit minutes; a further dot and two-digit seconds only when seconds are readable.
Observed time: 4.47
